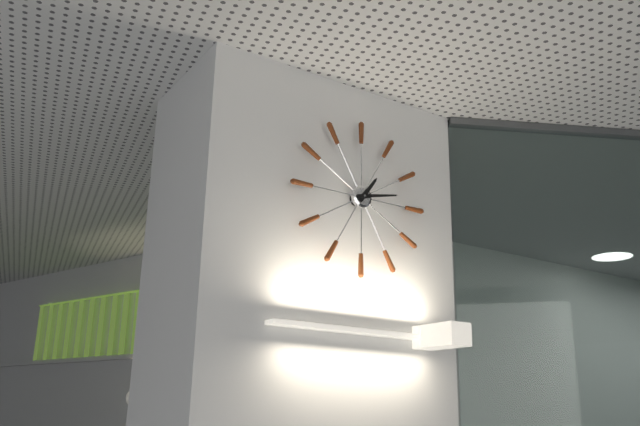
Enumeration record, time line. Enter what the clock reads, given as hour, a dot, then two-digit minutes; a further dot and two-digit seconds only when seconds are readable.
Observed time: 1.13
